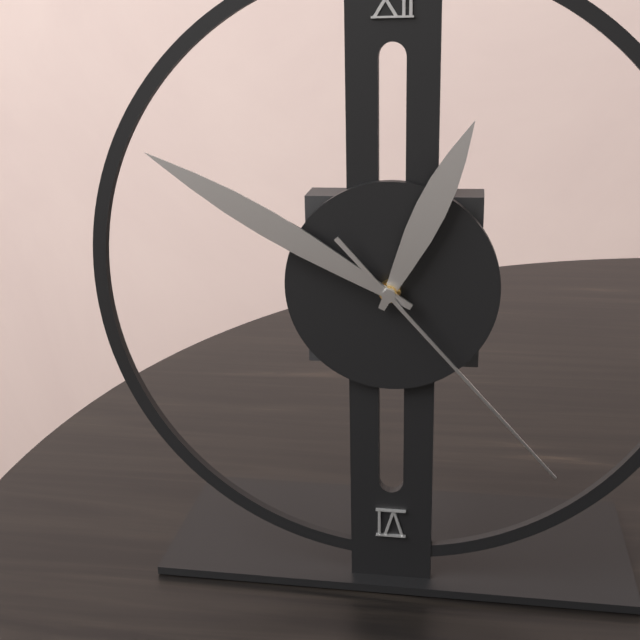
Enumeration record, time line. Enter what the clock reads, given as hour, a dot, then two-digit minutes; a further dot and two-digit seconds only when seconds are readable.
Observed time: 12.50.23
